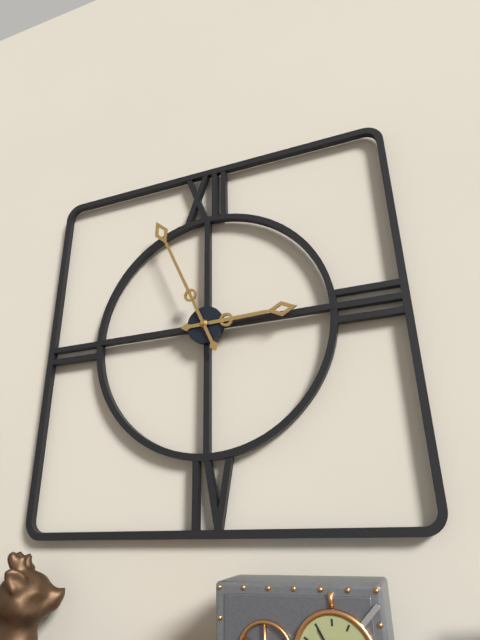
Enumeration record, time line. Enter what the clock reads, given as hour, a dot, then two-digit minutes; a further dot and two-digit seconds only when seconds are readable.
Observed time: 2.56
